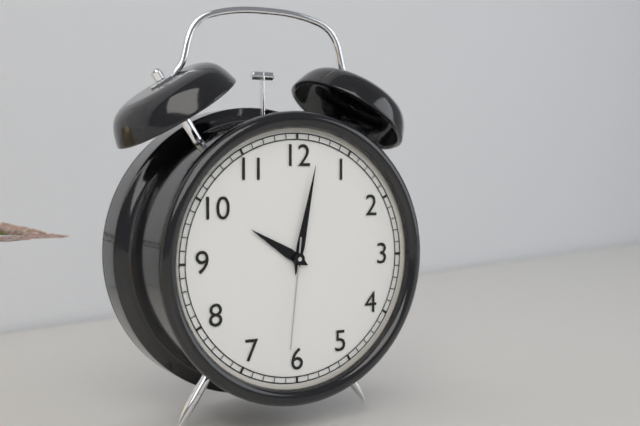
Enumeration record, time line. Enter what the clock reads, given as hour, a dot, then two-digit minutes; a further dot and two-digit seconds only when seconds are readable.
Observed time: 10.02.31
